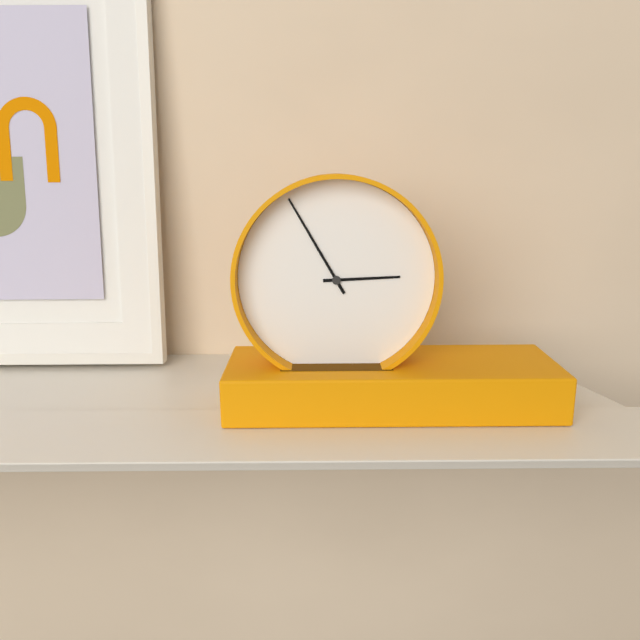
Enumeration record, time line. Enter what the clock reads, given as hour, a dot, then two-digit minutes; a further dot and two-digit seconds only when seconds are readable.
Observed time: 2.55
